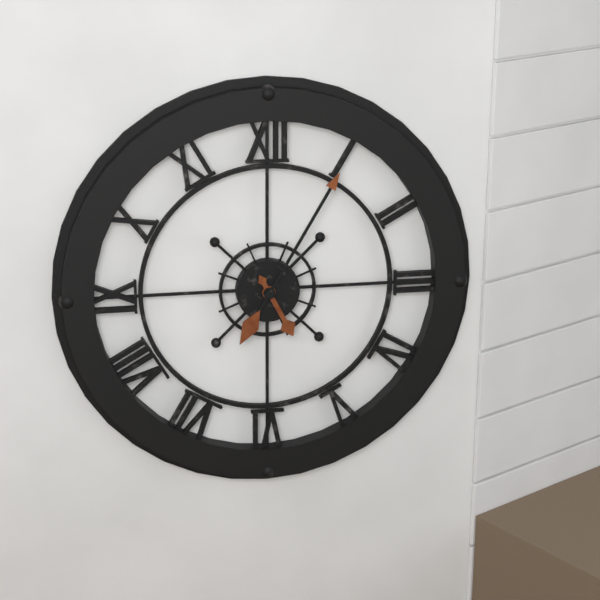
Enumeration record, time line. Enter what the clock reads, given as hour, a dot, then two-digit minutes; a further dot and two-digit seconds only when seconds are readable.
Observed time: 5.05
